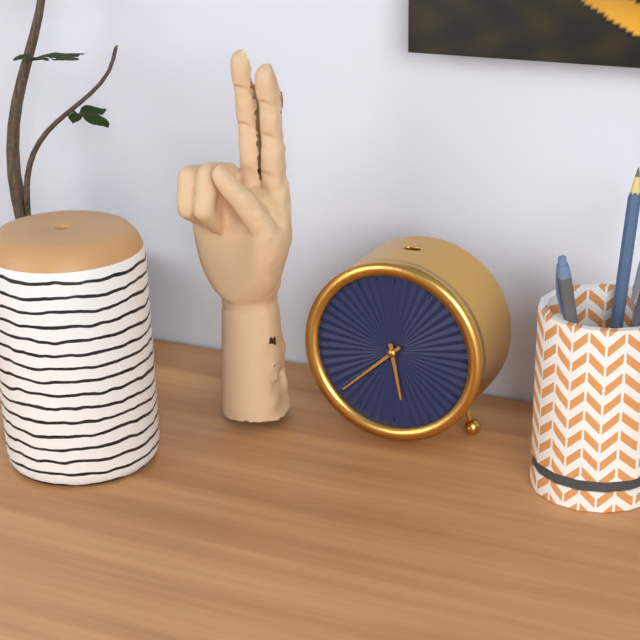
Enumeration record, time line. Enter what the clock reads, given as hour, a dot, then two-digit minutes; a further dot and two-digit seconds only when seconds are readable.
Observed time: 5.38
